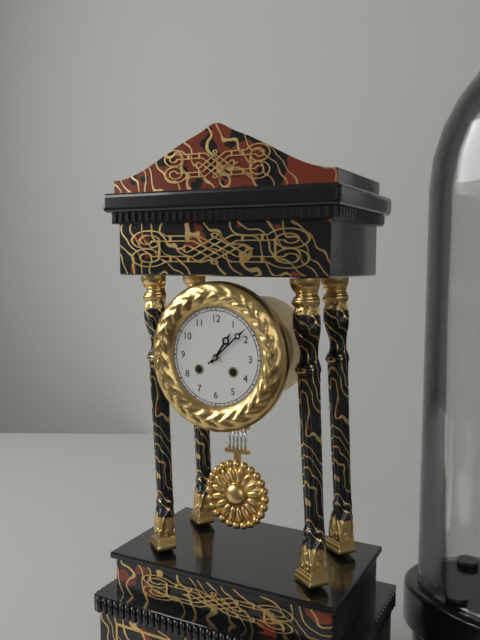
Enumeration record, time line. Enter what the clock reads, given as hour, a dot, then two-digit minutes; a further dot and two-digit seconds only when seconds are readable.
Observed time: 1.08
